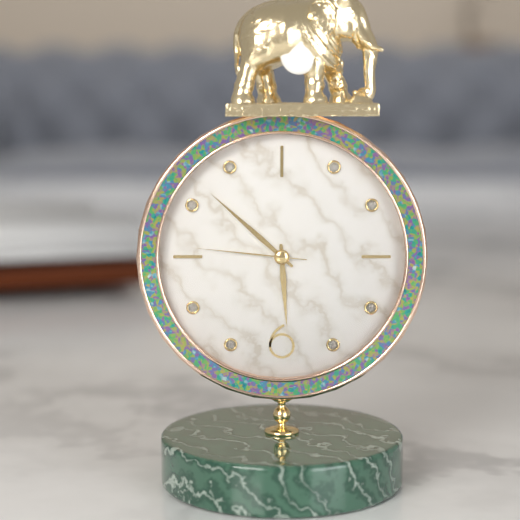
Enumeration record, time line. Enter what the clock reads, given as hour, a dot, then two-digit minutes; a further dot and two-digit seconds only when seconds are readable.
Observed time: 5.52.46
